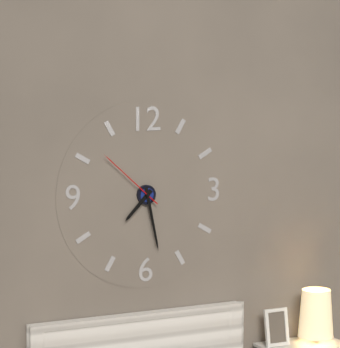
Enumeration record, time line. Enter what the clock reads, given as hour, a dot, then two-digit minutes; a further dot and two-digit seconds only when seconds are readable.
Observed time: 7.28.52
